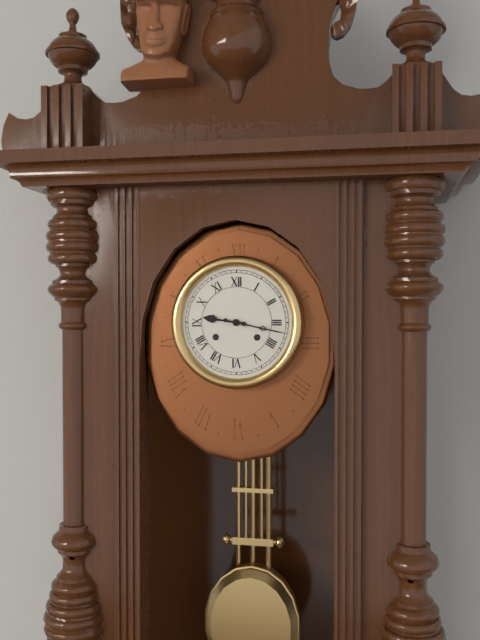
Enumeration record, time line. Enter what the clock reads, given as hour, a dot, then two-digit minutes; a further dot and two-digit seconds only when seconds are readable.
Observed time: 9.17
